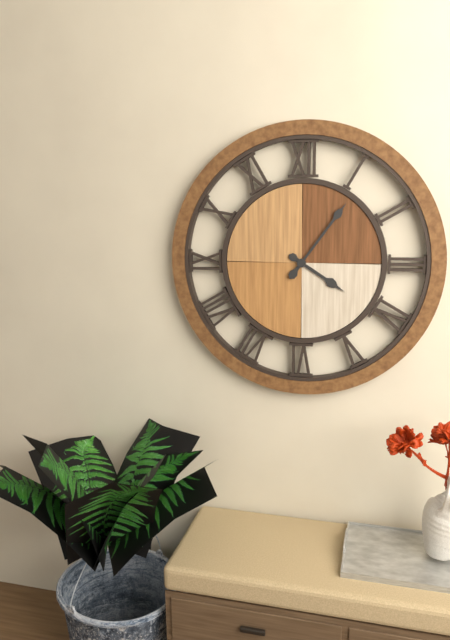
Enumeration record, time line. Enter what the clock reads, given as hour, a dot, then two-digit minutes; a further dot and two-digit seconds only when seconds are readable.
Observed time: 4.06
